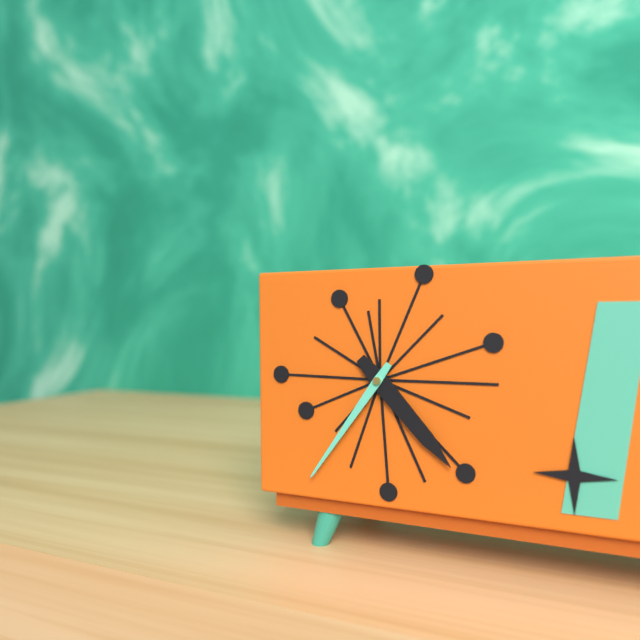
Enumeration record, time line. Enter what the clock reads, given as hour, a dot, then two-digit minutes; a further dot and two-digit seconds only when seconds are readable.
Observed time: 4.36
